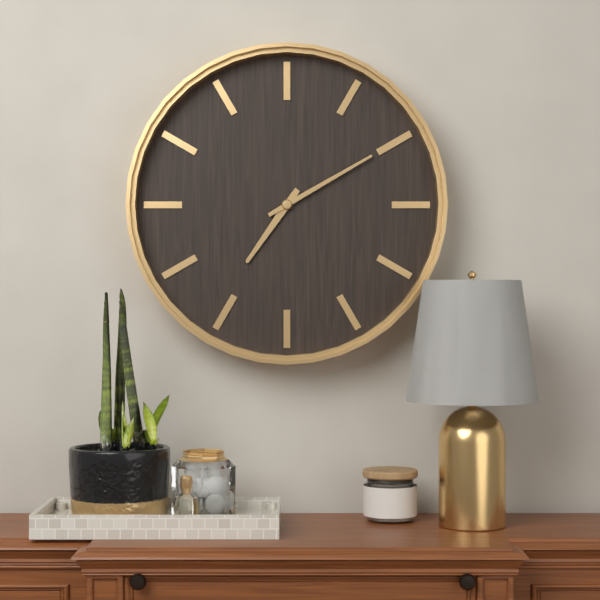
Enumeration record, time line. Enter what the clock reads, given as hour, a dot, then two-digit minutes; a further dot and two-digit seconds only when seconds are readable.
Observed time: 7.10
